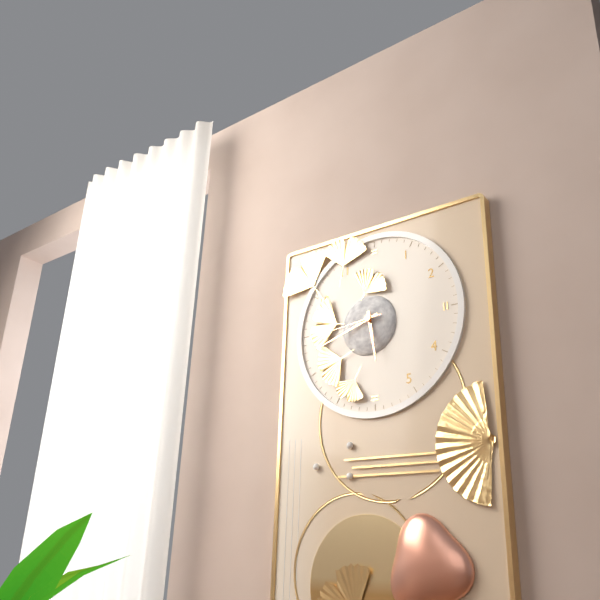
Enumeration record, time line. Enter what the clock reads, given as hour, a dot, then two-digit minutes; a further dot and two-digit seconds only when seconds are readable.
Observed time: 5.42.44
